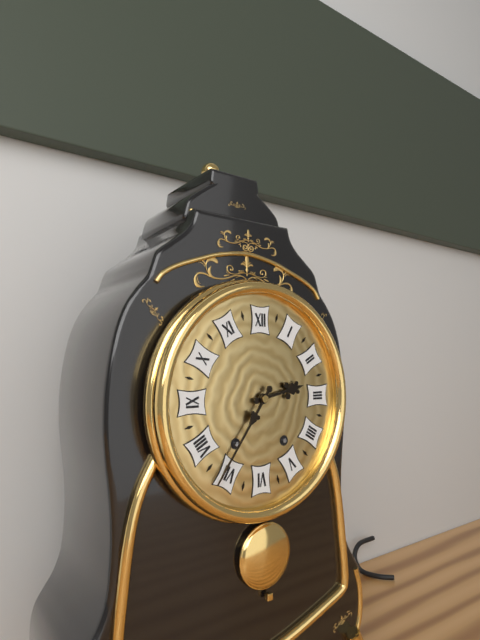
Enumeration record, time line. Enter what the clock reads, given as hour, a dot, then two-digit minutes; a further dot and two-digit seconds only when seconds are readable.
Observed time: 2.36
